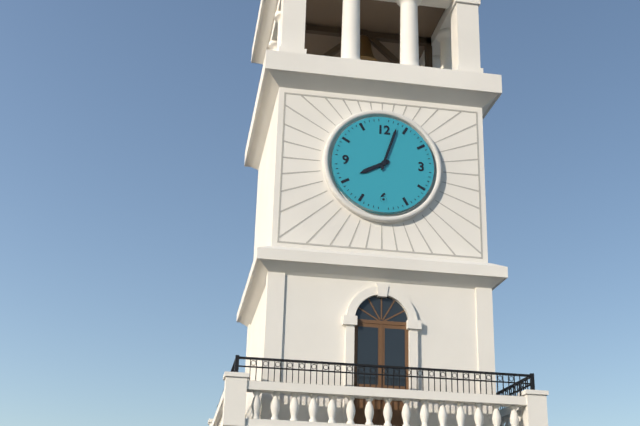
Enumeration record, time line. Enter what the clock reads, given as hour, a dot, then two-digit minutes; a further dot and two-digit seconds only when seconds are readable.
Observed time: 8.03
